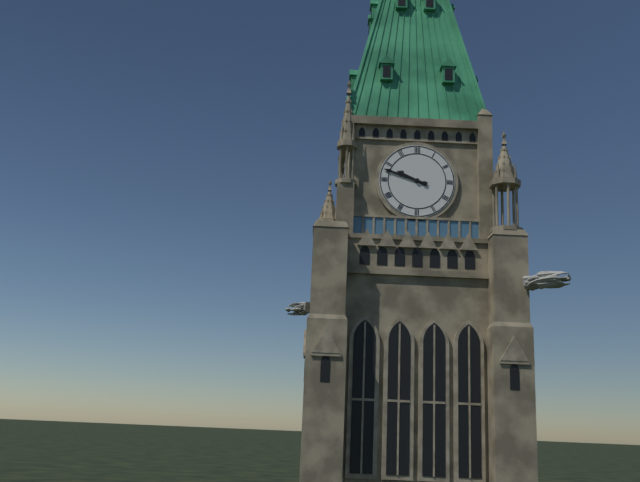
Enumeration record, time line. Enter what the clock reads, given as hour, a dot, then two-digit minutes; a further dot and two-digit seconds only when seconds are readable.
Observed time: 9.48
